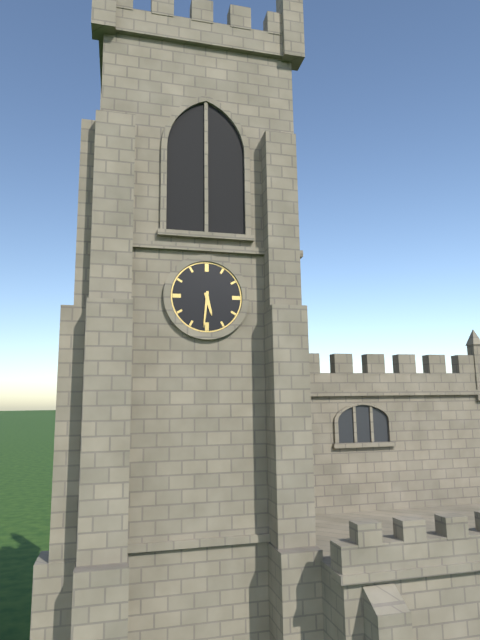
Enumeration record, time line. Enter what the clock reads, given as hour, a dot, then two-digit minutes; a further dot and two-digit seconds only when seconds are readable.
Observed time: 5.31
